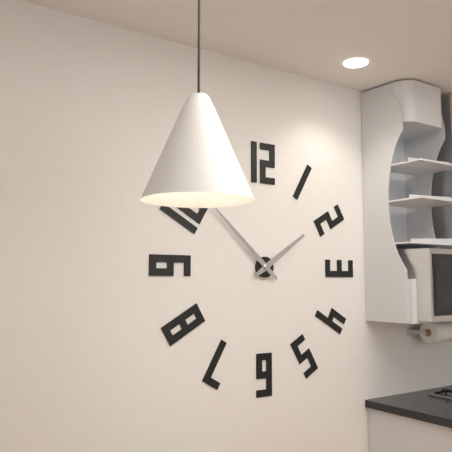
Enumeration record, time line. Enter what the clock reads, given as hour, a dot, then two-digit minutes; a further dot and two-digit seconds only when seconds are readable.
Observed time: 1.52
